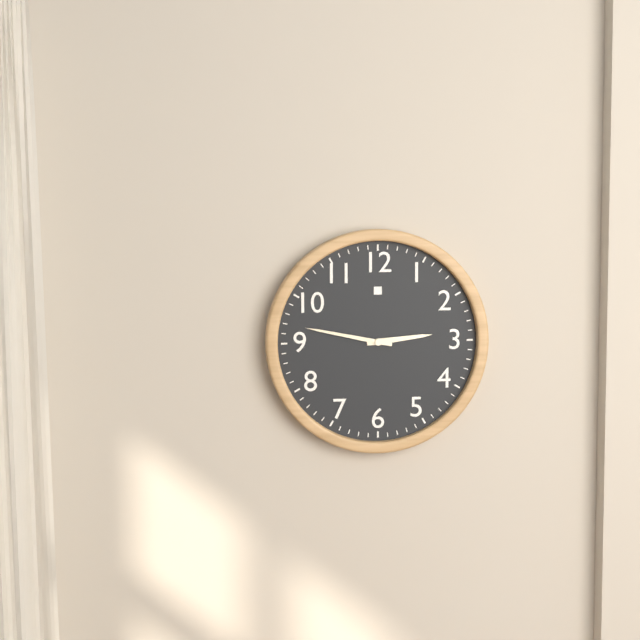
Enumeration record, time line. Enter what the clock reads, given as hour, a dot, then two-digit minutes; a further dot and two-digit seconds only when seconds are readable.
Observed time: 2.47
